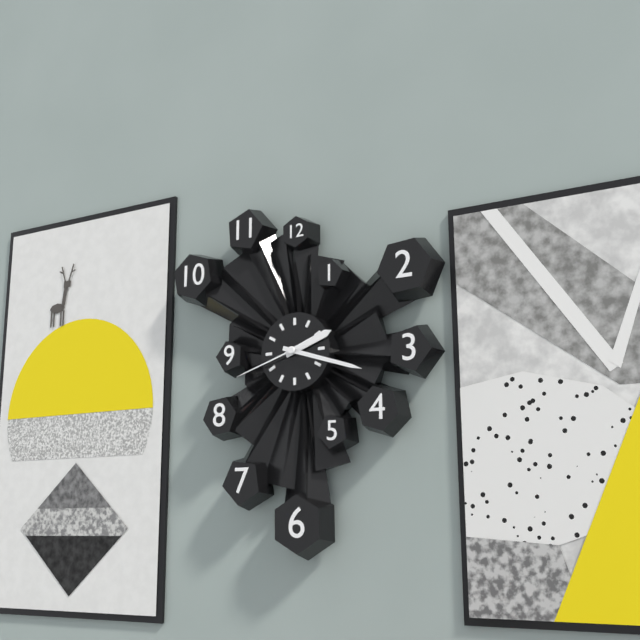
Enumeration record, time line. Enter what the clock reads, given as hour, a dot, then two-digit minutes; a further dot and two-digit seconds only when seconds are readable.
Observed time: 2.18.42
